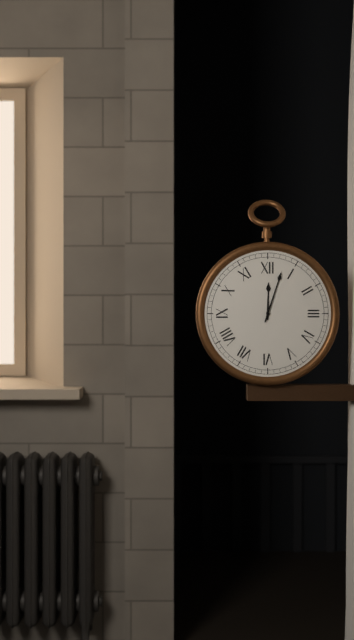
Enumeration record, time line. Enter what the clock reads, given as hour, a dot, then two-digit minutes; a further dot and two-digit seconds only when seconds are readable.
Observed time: 12.03
